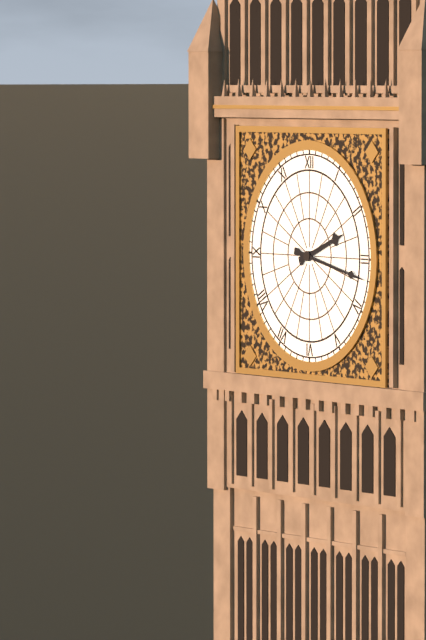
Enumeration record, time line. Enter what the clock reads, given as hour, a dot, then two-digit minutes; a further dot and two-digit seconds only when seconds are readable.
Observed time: 2.17
